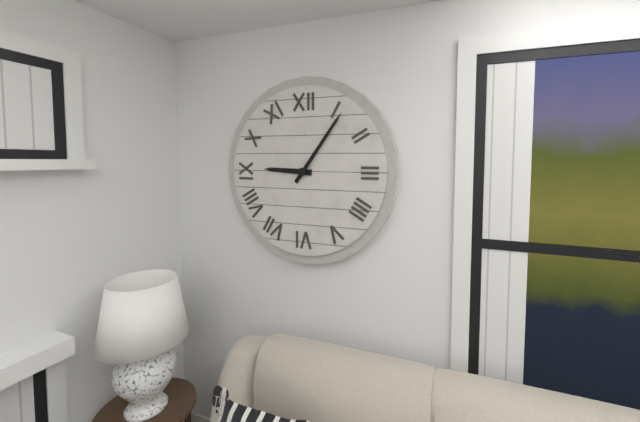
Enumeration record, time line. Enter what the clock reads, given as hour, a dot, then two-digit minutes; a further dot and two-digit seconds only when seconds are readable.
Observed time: 9.06
